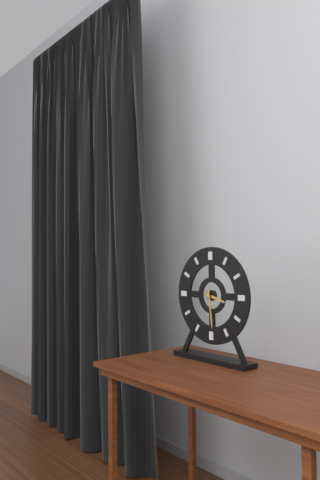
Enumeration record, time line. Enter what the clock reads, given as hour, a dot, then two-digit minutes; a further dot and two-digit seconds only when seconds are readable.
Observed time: 3.29
